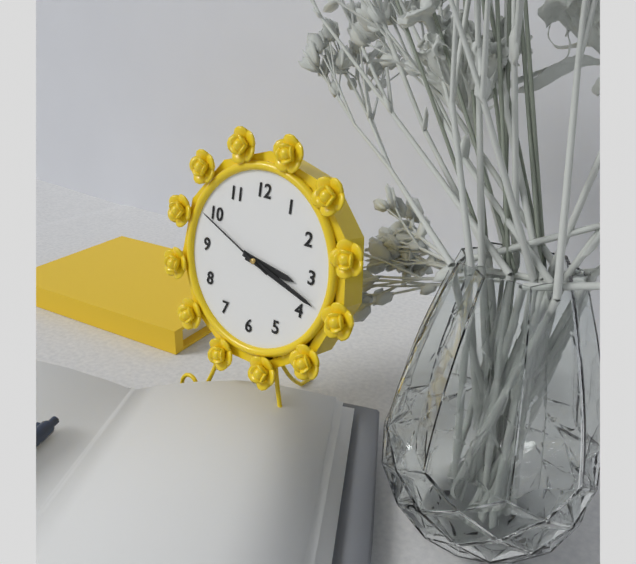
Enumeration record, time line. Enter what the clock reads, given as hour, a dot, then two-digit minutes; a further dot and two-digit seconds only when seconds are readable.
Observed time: 3.18.49
